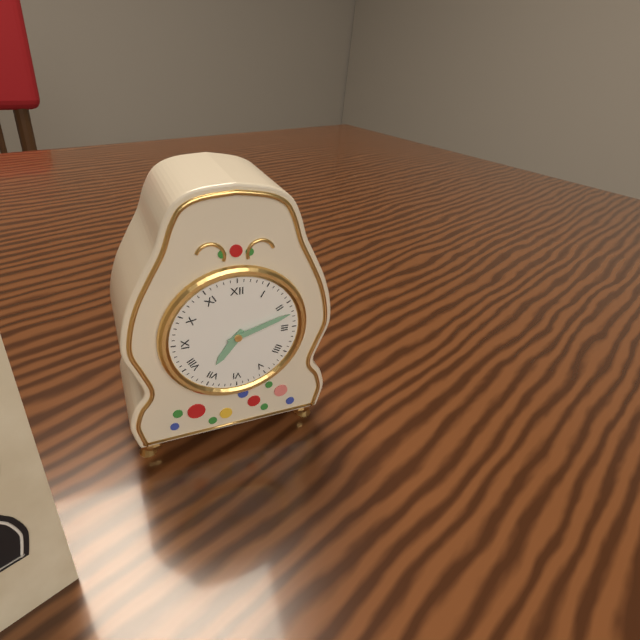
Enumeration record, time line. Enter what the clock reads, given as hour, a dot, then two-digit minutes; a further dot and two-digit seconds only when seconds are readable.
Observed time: 7.12
